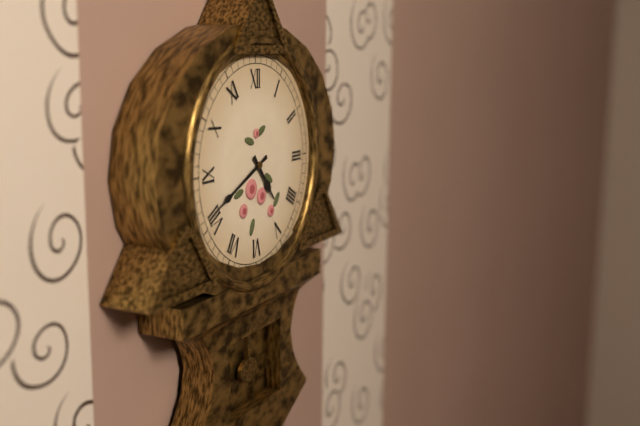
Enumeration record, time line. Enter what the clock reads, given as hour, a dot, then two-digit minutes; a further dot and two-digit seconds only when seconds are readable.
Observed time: 4.41
